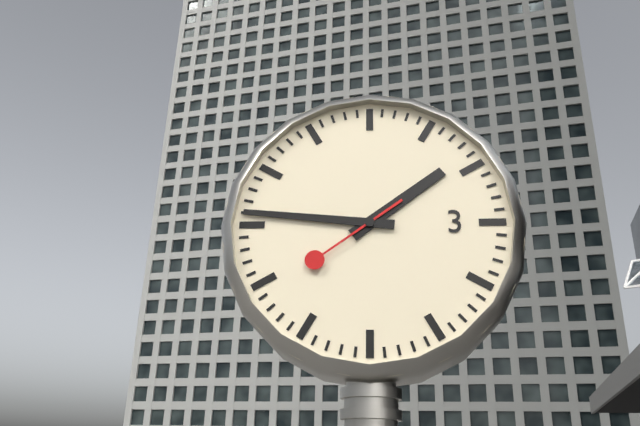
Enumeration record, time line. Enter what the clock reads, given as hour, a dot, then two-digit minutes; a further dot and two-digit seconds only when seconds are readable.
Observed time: 1.46.39
